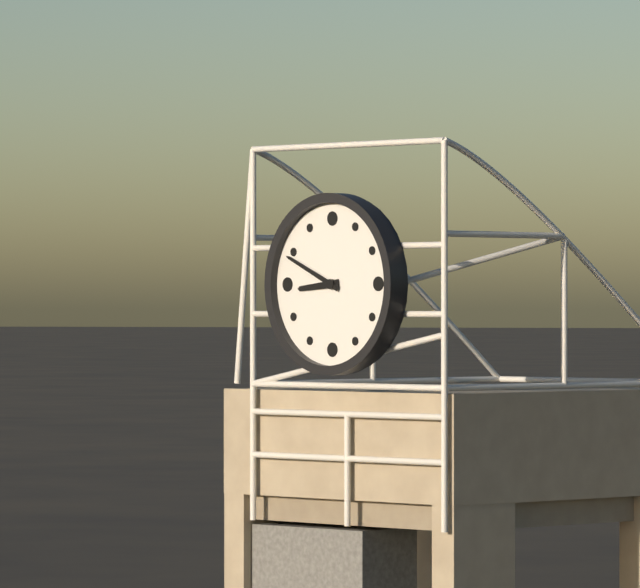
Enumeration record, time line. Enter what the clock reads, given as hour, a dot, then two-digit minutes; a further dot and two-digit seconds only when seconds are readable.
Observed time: 8.49
